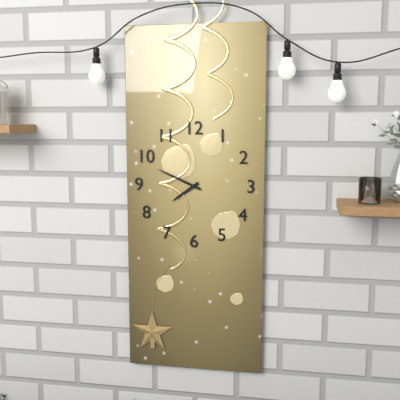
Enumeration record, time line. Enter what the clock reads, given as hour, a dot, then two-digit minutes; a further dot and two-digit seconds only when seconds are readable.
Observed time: 7.49
